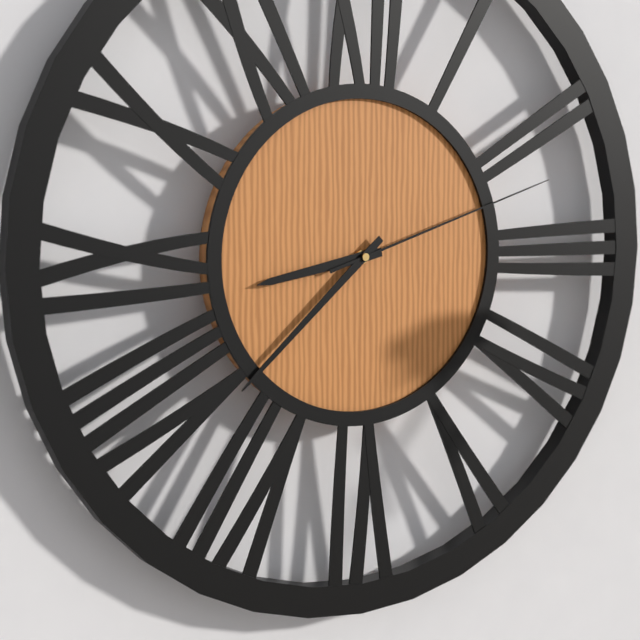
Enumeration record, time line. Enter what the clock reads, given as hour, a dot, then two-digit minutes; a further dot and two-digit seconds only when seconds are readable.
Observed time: 8.38.12
